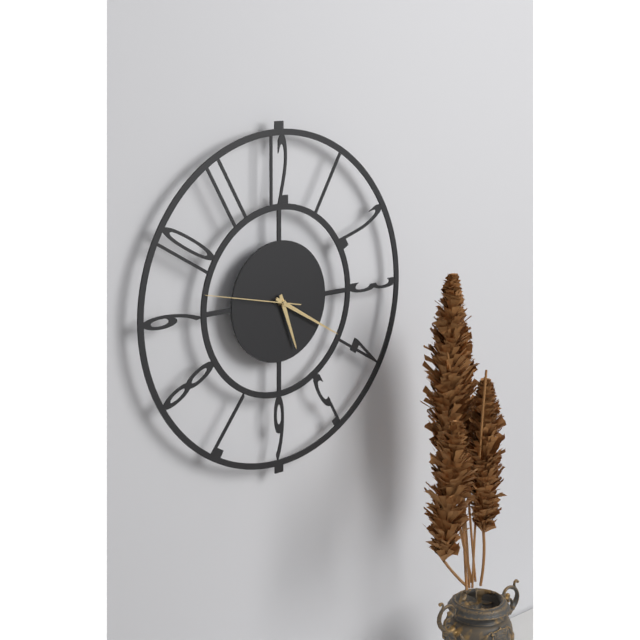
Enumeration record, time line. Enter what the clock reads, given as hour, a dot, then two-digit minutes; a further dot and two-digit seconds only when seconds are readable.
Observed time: 5.20.47
